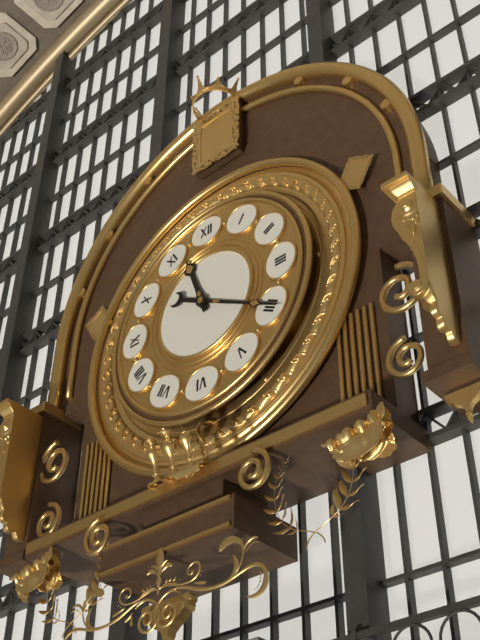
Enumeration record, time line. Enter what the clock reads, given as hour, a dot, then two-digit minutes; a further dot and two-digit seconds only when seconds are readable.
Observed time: 11.20
